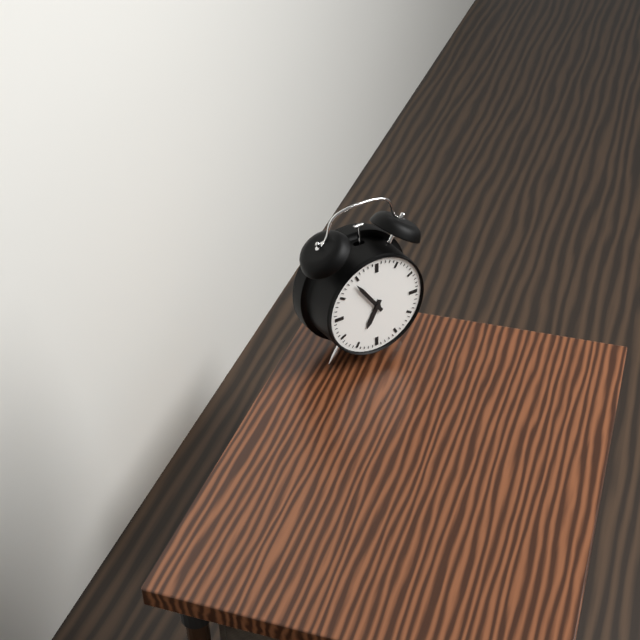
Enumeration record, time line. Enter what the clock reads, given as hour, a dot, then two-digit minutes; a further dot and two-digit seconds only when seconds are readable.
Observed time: 6.54
